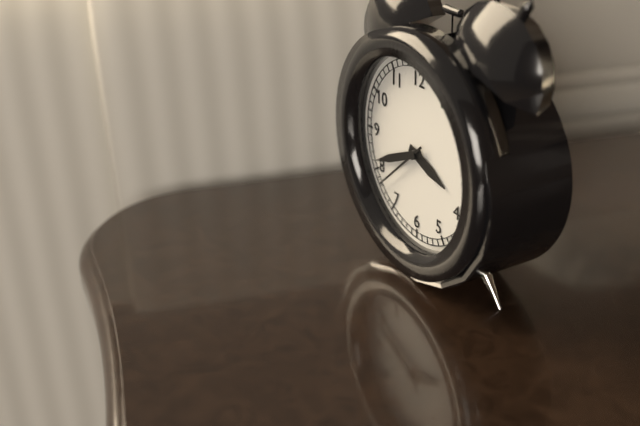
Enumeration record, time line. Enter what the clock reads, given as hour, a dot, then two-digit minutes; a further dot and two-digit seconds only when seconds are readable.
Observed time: 3.41
